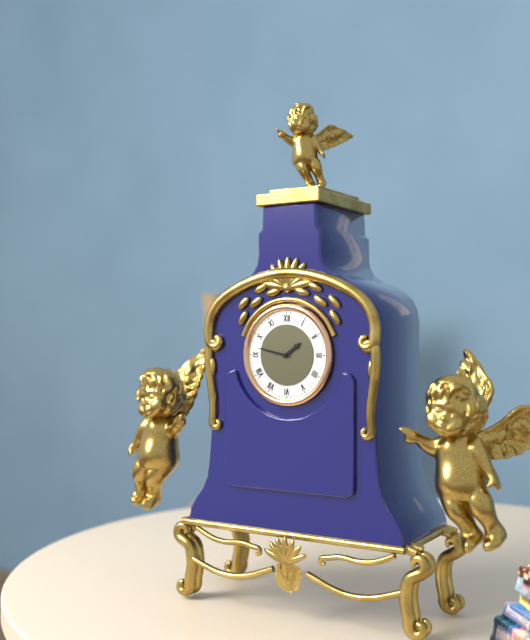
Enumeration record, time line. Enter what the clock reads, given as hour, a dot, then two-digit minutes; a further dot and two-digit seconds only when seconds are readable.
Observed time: 1.47
